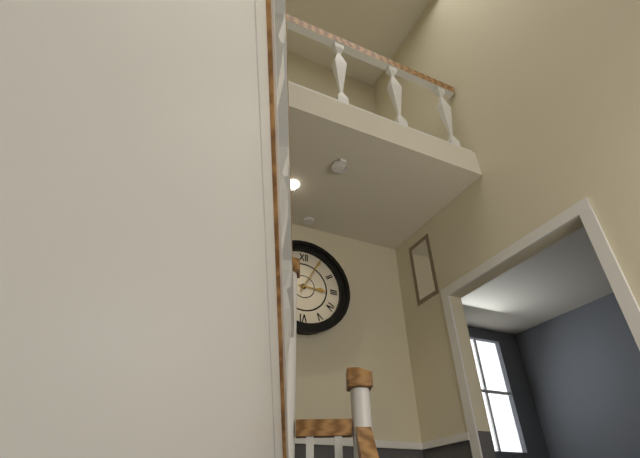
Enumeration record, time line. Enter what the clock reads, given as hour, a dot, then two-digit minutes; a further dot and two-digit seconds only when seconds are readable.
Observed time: 3.05
